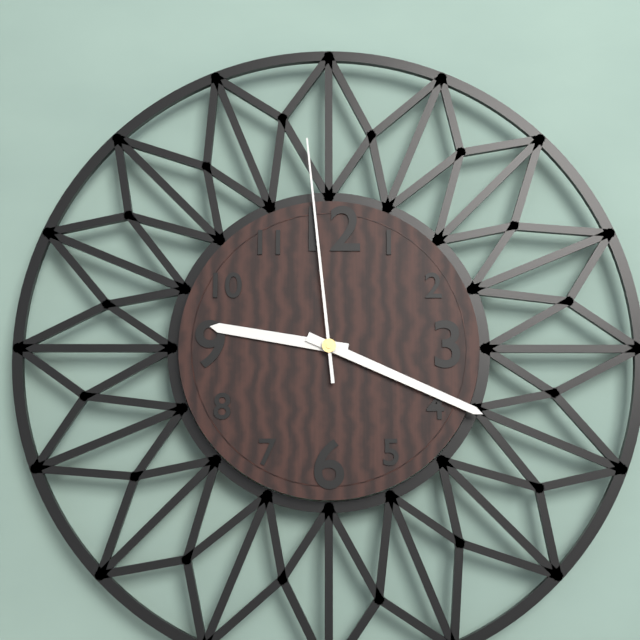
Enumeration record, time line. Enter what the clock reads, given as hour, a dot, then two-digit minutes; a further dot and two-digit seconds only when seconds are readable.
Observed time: 9.19.59
